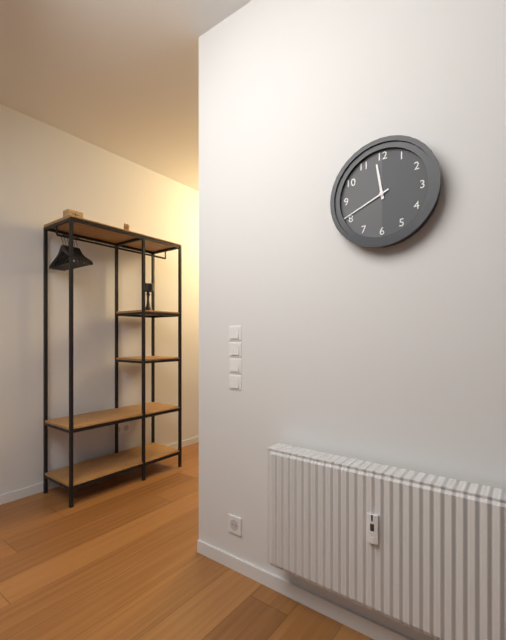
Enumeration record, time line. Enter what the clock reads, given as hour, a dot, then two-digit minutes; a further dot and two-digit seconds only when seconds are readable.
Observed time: 11.41
